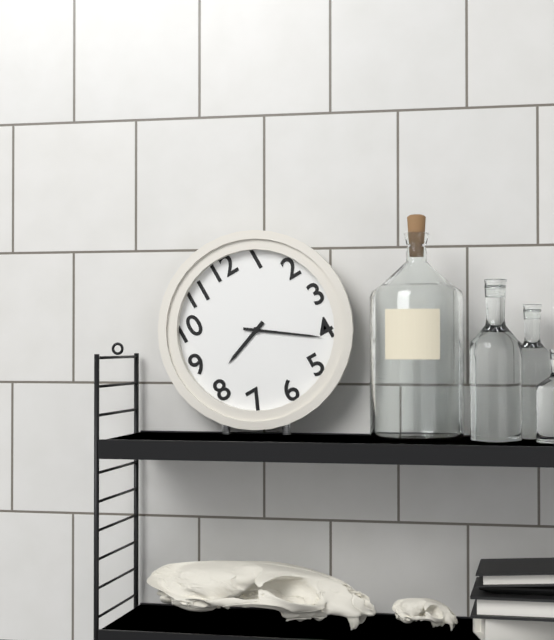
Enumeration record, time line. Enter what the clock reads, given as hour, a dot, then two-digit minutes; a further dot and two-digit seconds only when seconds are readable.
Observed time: 8.21
